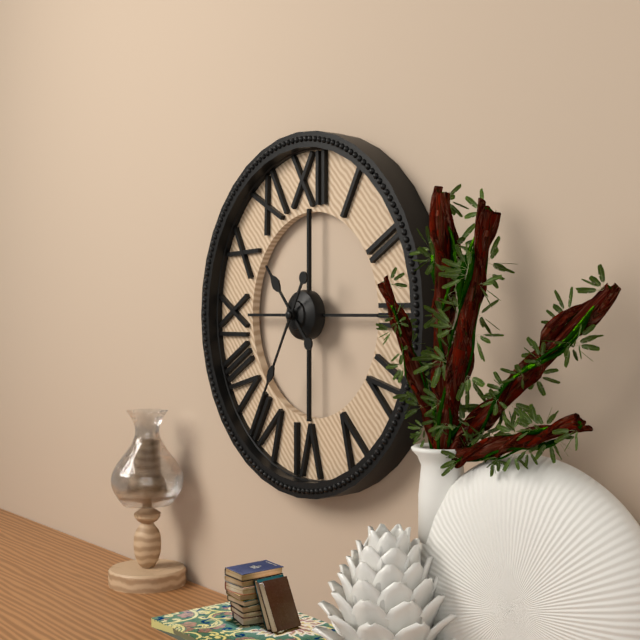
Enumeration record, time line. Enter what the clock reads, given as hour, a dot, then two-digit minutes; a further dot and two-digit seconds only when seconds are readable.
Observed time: 10.35
